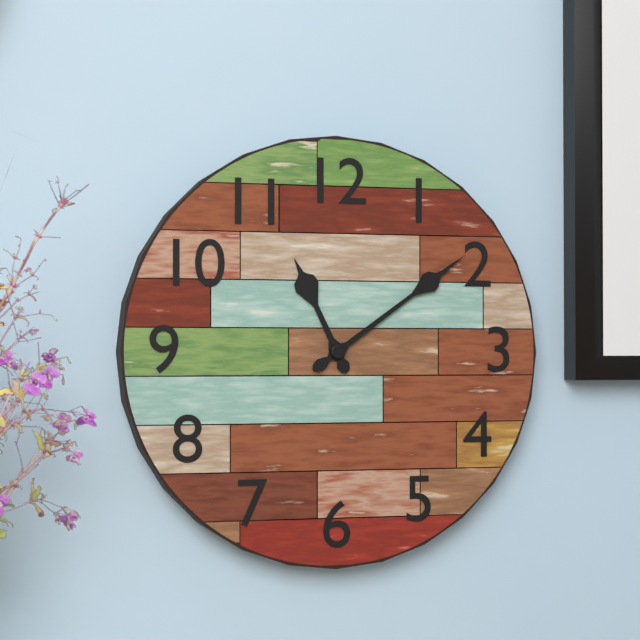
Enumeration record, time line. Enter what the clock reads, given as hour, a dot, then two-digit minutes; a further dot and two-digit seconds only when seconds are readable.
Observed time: 11.09
